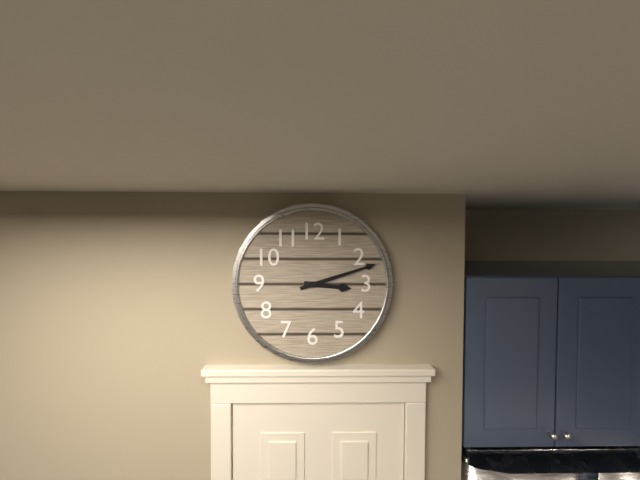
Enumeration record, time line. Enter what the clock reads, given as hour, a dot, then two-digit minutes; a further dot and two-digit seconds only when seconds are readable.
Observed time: 3.12
